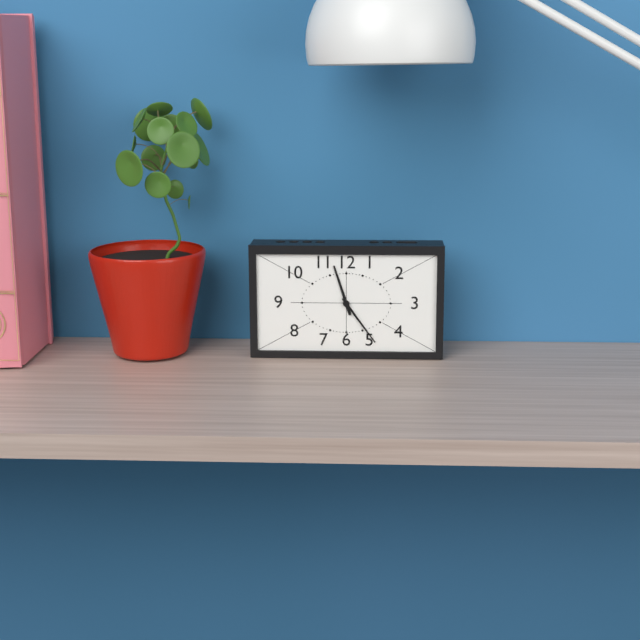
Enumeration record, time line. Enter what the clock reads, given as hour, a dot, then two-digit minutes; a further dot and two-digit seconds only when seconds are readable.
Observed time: 11.24
